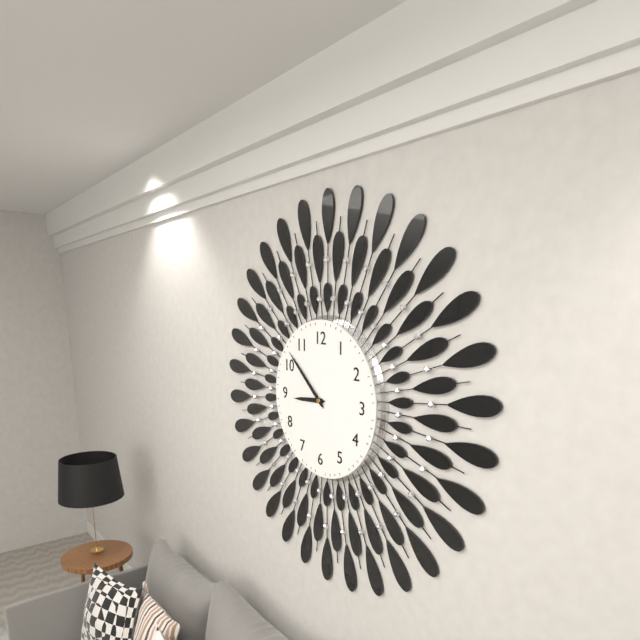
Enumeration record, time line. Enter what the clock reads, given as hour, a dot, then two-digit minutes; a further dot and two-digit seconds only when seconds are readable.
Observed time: 8.52
